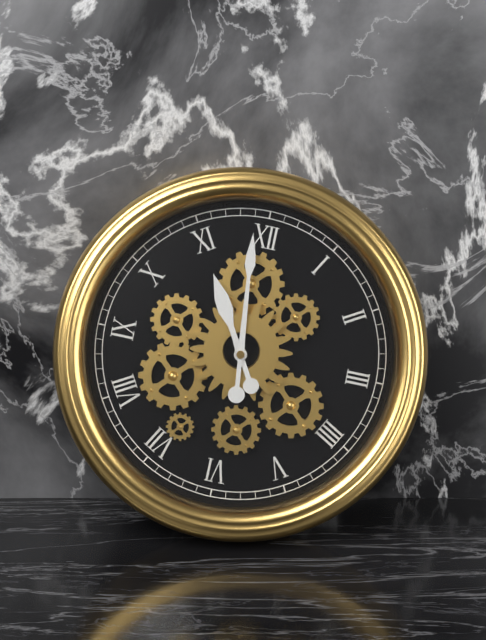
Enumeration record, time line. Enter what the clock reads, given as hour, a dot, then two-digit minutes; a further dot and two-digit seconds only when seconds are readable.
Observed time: 10.59
